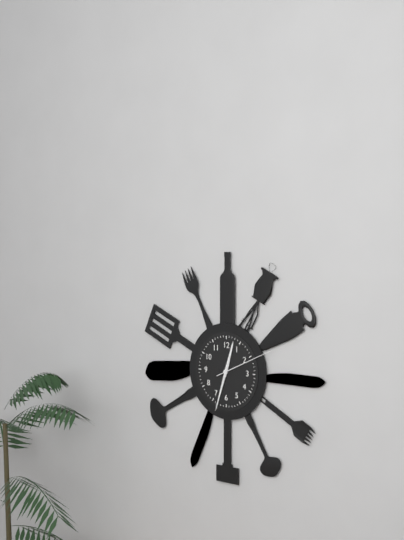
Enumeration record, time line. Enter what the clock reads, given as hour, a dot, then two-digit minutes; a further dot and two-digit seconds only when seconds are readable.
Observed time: 12.33.11
